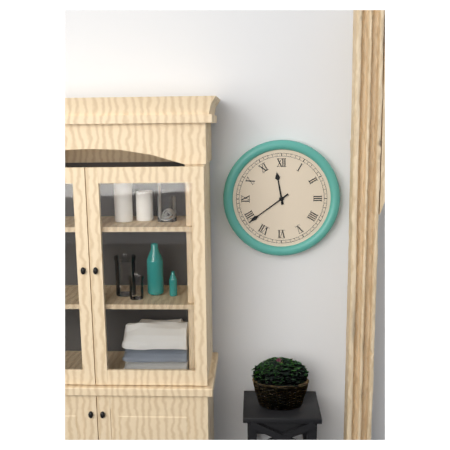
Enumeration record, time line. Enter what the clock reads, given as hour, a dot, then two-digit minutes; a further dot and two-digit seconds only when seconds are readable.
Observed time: 11.39
